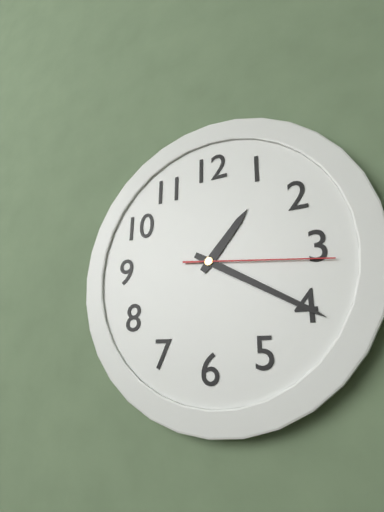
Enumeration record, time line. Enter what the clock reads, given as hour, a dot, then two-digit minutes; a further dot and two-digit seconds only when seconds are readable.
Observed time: 1.20.16
